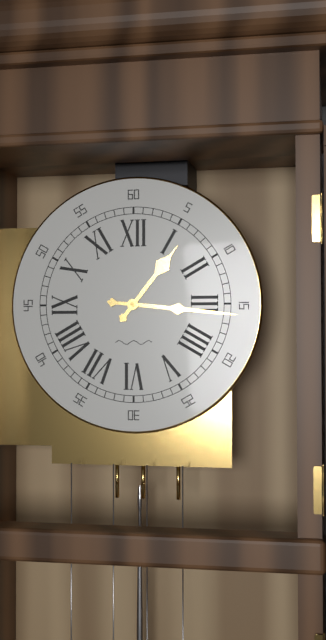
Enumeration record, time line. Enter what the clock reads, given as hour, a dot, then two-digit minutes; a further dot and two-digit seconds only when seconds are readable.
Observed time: 1.16
